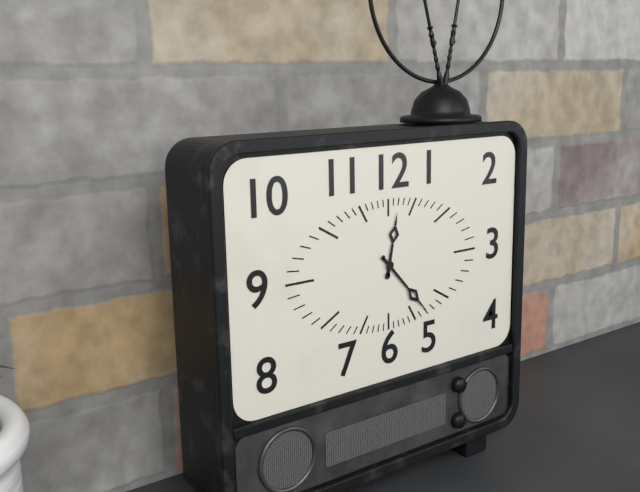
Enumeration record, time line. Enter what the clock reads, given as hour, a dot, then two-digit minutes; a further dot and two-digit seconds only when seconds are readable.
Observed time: 12.23
